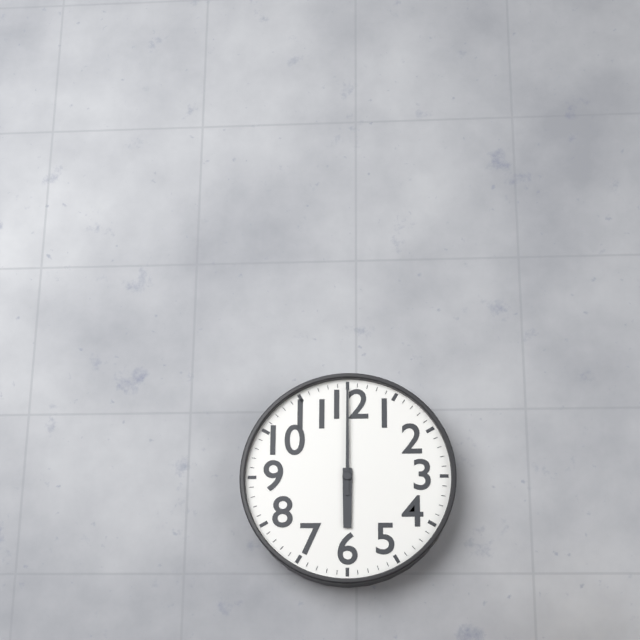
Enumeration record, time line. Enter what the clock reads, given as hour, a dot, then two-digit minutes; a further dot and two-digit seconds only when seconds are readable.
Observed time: 6.00
